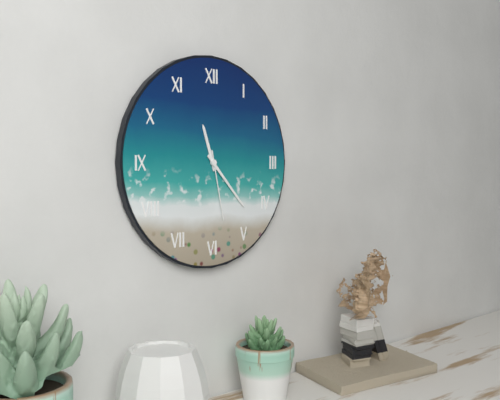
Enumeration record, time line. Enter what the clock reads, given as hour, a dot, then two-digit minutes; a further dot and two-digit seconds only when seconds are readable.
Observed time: 11.23.28
